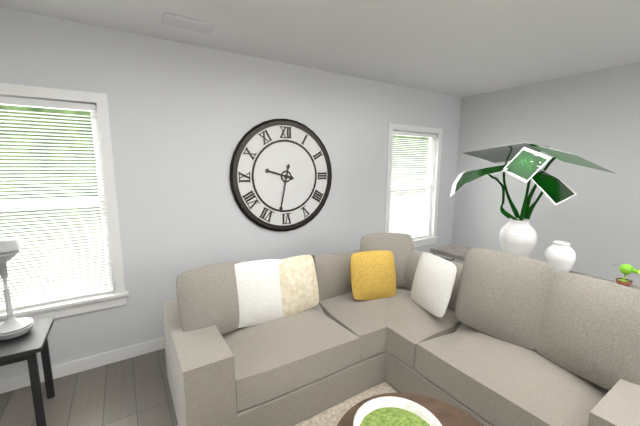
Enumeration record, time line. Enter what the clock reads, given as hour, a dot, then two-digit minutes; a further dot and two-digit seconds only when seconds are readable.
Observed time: 9.32
